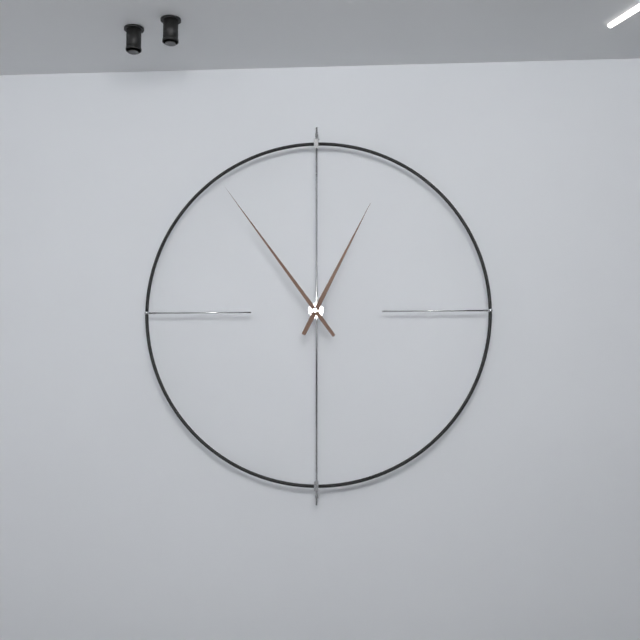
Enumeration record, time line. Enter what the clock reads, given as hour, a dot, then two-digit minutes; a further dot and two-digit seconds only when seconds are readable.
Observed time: 12.54
